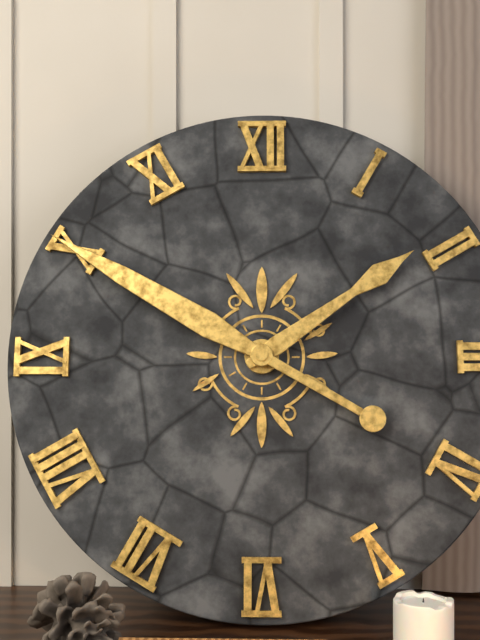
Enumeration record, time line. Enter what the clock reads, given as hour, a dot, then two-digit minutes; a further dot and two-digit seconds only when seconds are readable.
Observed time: 1.50
